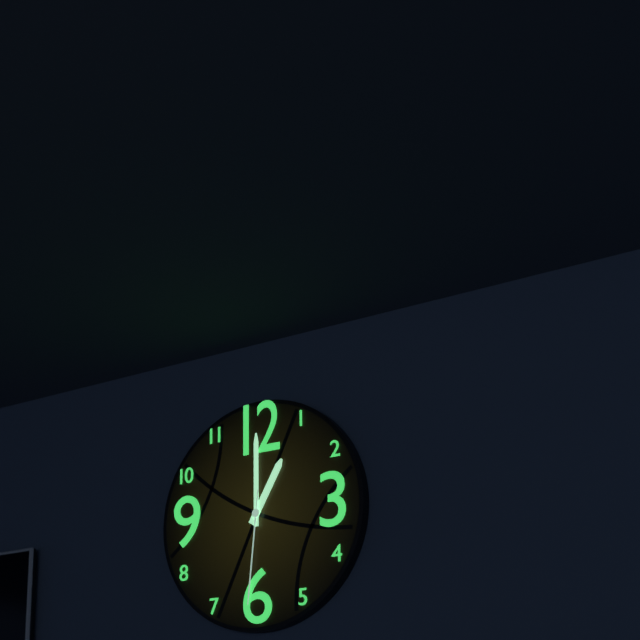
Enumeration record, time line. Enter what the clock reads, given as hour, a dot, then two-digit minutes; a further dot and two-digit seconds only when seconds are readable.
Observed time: 1.00.31
